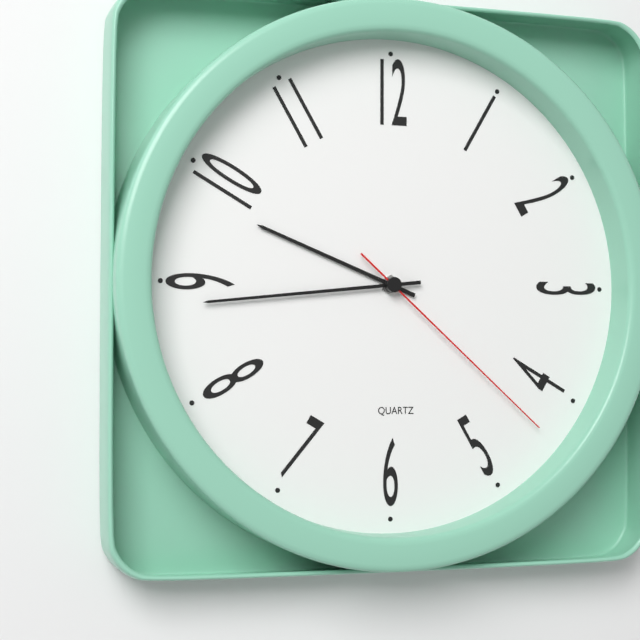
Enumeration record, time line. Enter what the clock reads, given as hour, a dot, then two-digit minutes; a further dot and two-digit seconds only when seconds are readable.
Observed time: 9.44.22
